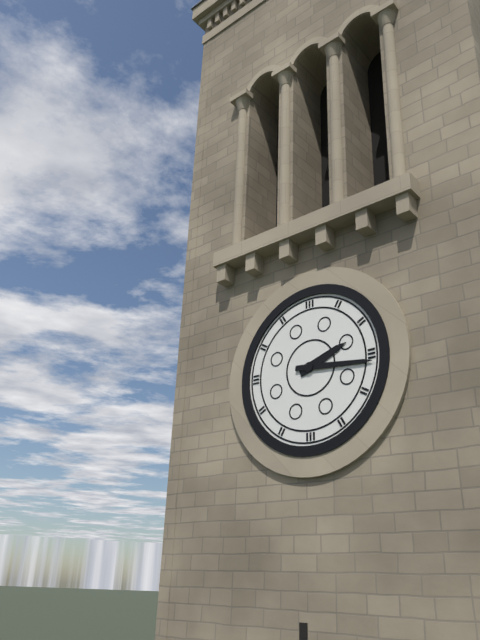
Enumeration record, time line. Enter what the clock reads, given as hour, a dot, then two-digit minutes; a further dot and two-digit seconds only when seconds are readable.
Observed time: 2.16
